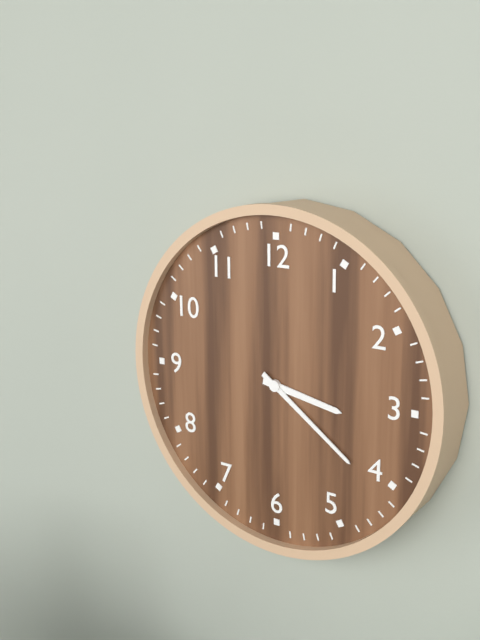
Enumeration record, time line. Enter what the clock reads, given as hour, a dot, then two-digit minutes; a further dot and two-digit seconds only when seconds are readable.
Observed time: 3.21
